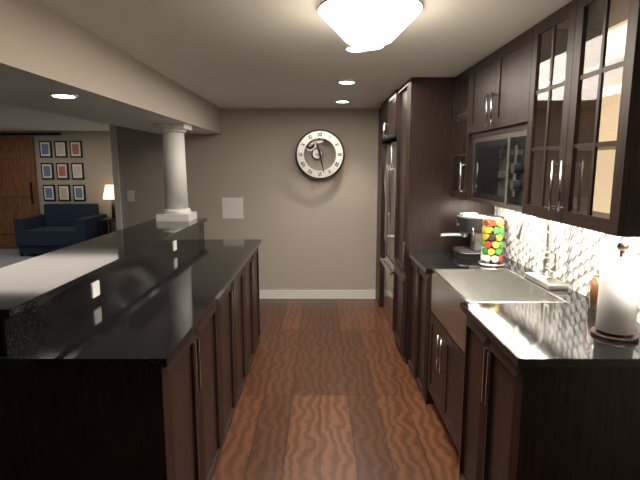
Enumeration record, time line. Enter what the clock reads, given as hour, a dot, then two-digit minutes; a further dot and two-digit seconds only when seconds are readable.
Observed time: 11.28
